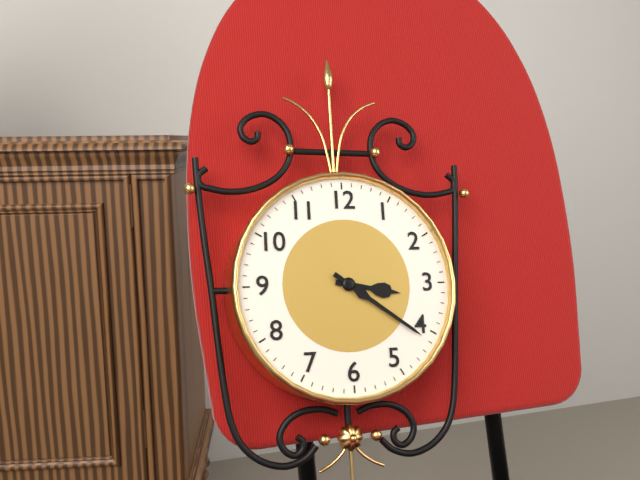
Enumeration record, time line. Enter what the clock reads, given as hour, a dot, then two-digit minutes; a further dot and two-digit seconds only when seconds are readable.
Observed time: 3.21
